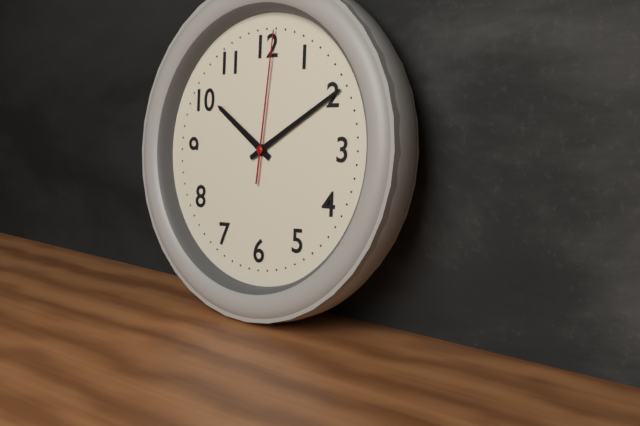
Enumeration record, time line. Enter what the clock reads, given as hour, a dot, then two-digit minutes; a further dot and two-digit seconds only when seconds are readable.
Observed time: 10.10.01
